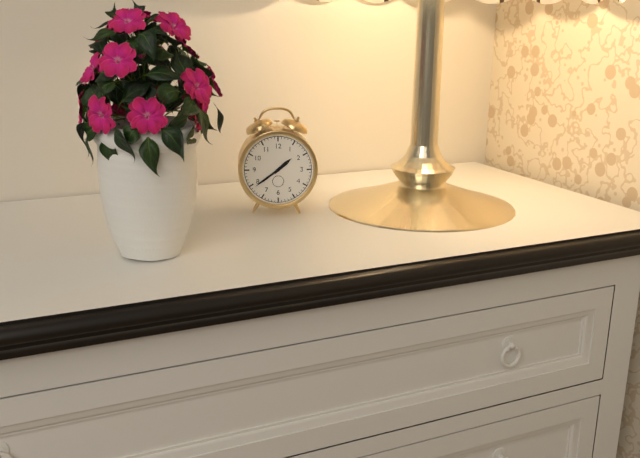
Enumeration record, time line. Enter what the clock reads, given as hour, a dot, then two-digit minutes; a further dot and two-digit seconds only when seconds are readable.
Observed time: 1.39
